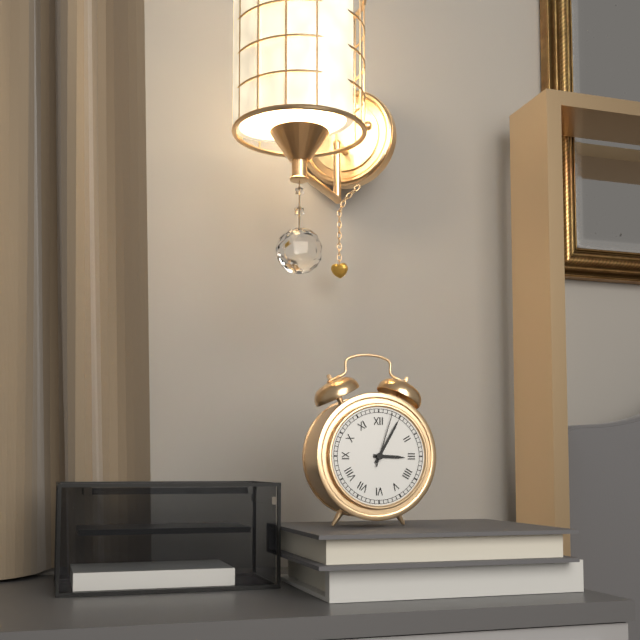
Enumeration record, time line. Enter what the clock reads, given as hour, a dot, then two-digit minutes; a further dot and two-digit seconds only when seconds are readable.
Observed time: 3.05.03
